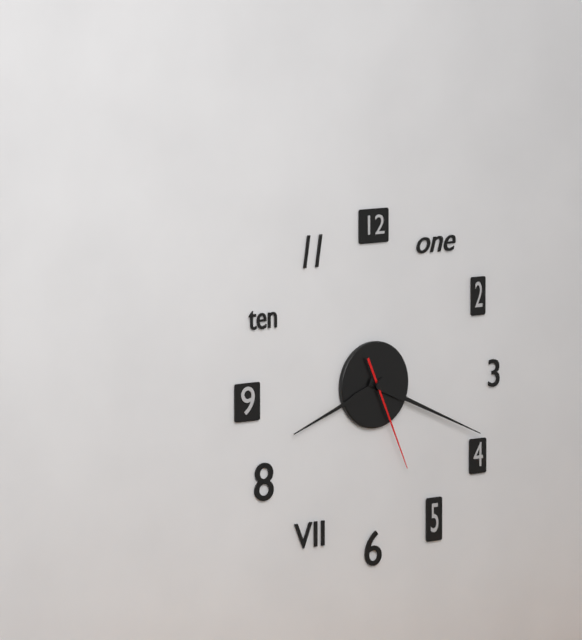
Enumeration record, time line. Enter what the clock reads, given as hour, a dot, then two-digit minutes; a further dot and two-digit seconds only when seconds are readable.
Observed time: 8.19.26
